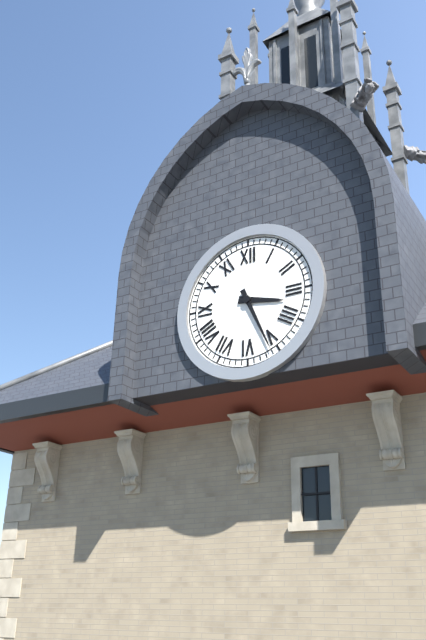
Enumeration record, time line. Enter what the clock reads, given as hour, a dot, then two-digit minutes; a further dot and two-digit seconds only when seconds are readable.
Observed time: 3.26
